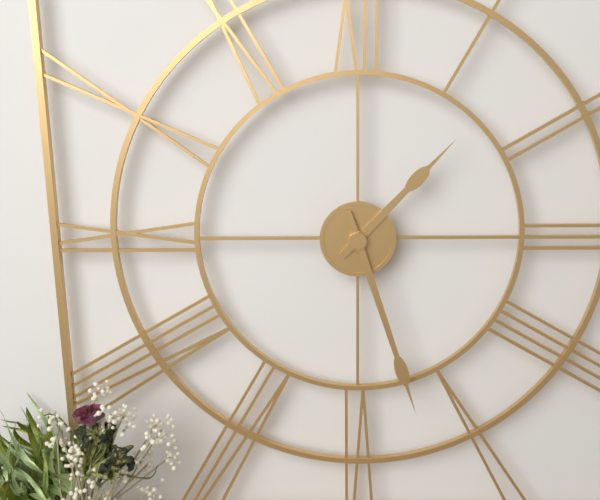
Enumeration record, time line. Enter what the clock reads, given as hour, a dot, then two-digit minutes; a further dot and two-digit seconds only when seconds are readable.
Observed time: 1.27
